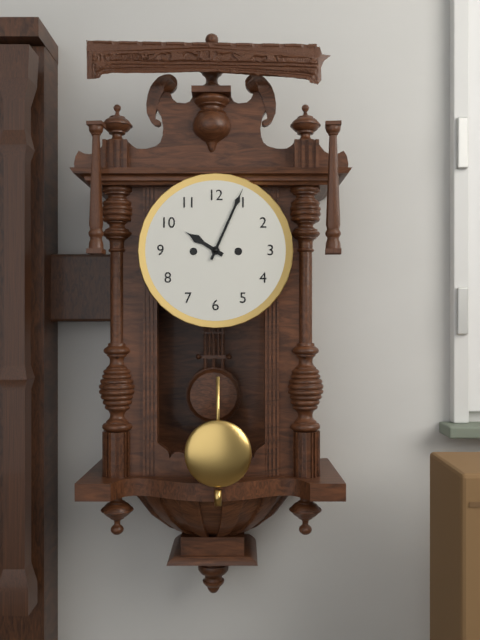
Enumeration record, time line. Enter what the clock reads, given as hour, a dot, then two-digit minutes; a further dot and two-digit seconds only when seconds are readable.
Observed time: 10.04
